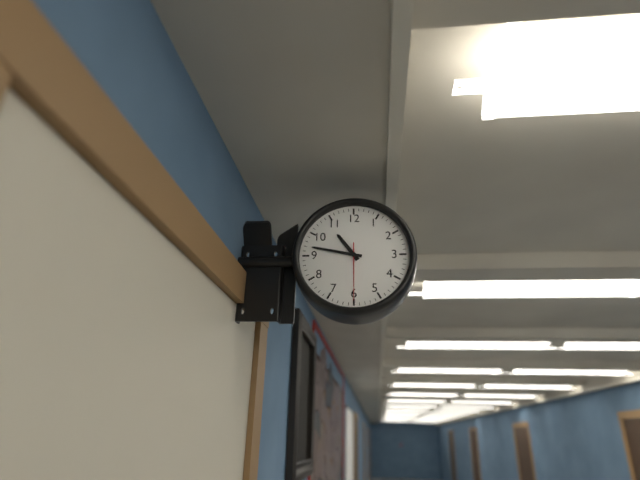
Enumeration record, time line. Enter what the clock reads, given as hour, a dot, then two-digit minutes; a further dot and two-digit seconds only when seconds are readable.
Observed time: 10.47
